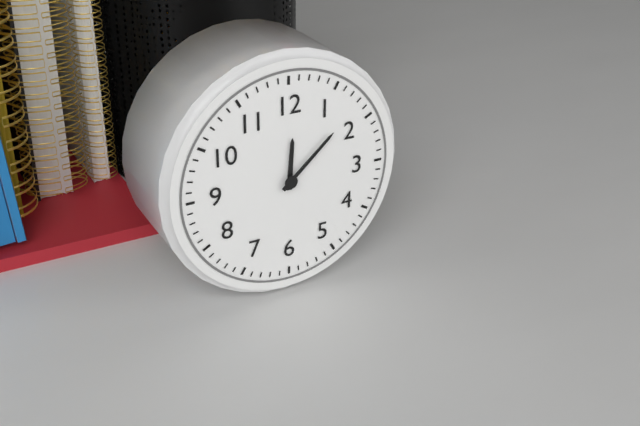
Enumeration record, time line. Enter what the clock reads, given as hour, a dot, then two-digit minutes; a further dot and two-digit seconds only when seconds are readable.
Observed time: 12.08
